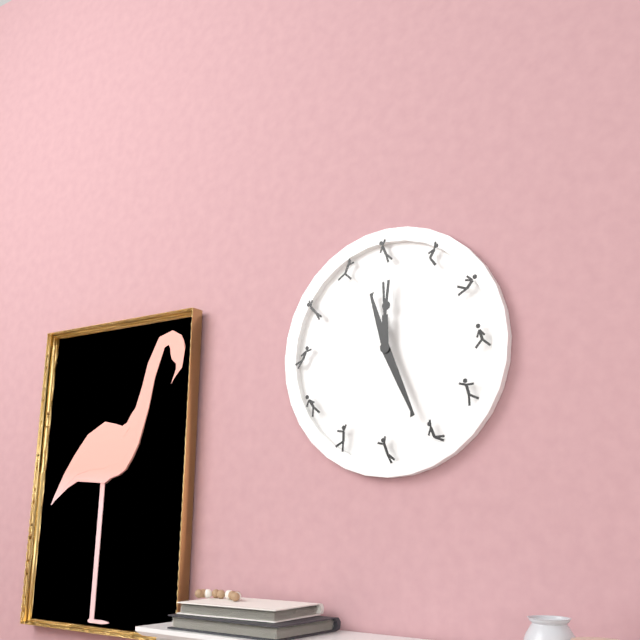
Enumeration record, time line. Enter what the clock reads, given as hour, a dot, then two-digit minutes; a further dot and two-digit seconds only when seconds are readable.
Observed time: 11.26
